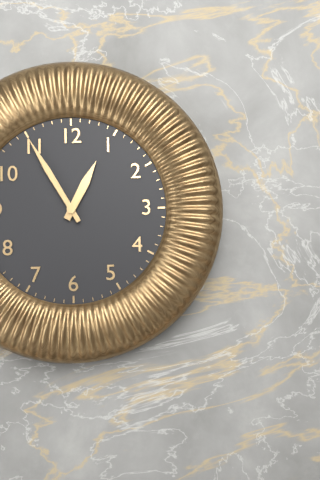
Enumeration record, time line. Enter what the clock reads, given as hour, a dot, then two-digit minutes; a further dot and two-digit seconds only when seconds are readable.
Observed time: 12.55
